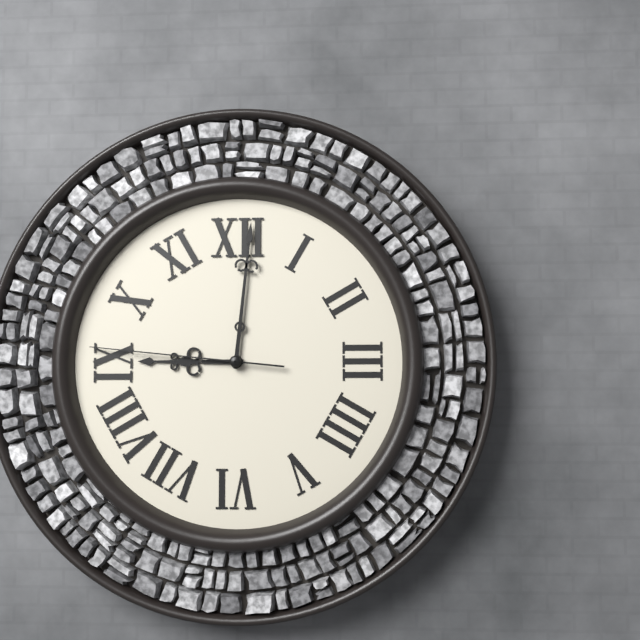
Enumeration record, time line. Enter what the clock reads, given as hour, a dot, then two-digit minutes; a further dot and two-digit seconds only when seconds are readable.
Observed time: 9.01.46
